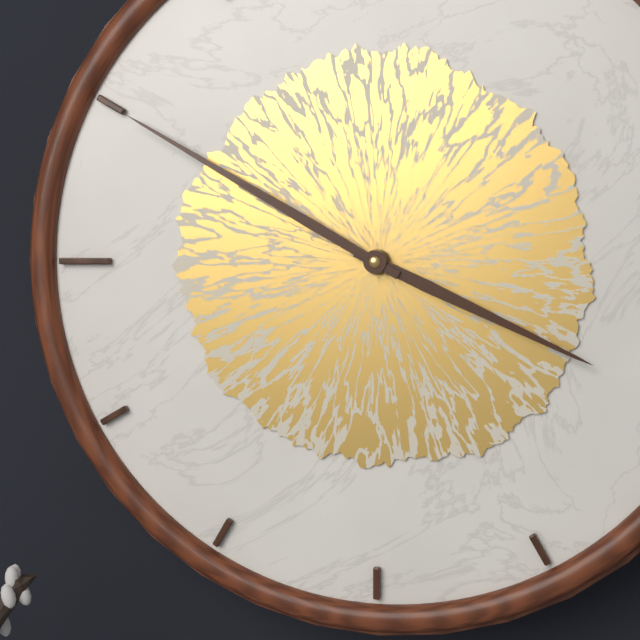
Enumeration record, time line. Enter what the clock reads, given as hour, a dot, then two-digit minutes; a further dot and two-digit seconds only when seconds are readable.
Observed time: 3.50
